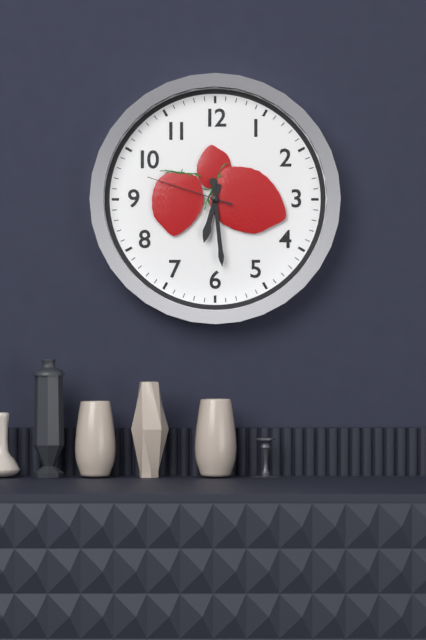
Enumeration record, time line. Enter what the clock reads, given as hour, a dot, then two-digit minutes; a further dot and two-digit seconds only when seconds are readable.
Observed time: 6.29.48
